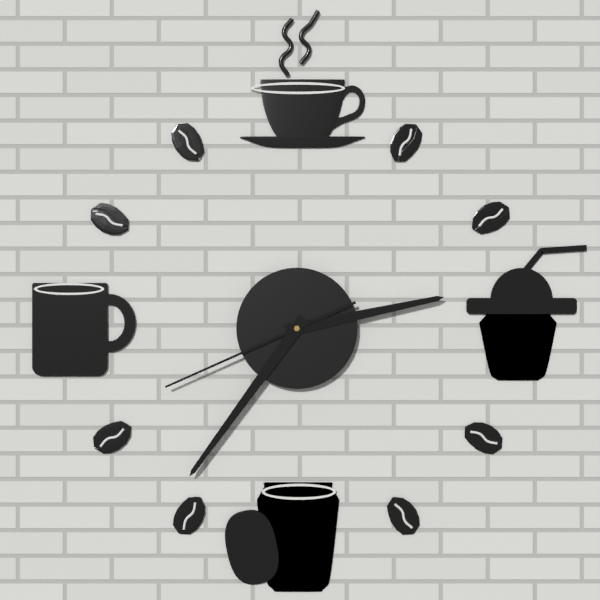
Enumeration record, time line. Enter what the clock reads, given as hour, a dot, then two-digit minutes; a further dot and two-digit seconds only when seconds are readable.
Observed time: 2.36.41
